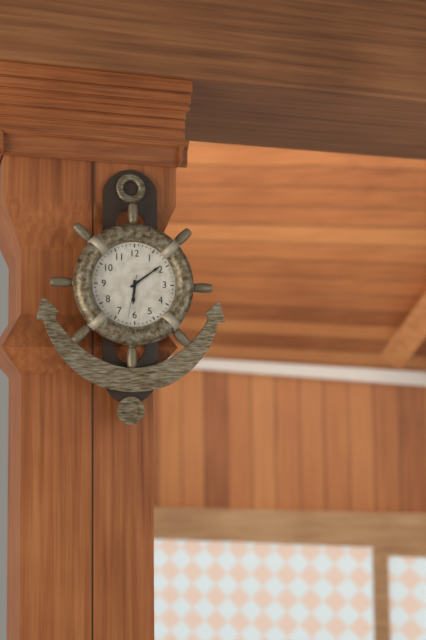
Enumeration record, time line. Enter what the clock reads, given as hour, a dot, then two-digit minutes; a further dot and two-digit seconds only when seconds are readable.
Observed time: 6.09
